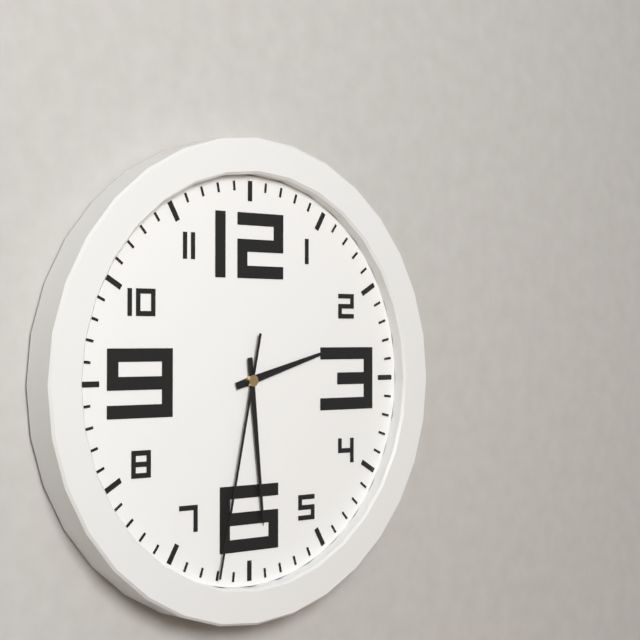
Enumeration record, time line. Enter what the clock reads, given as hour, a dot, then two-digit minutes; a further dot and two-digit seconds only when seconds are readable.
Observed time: 2.29.32
